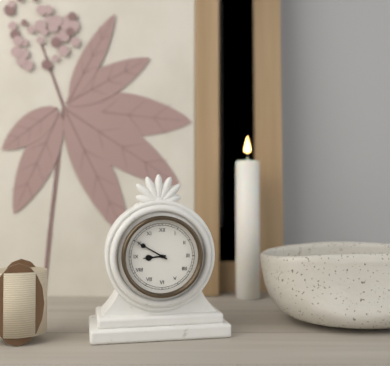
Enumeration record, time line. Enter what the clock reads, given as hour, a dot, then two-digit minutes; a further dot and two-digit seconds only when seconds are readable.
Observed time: 8.50
